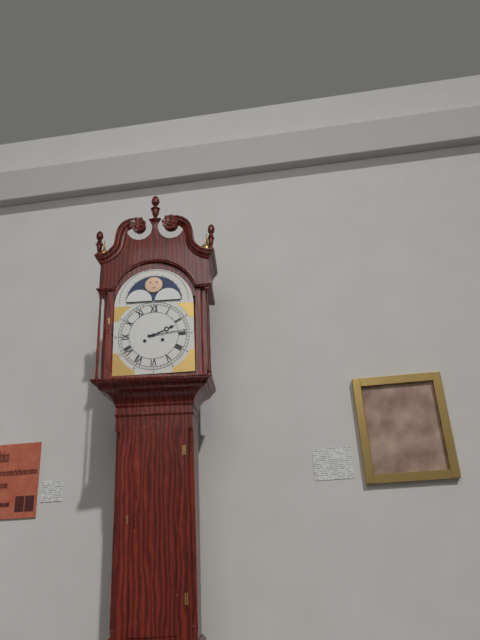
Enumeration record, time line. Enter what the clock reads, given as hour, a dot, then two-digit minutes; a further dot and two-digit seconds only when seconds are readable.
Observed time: 2.14
